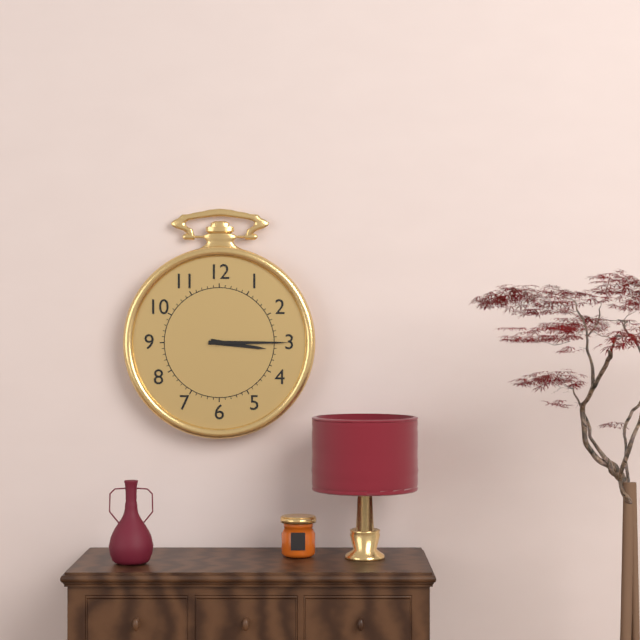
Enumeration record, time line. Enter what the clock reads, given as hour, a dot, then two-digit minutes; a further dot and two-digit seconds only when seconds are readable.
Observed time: 3.15
